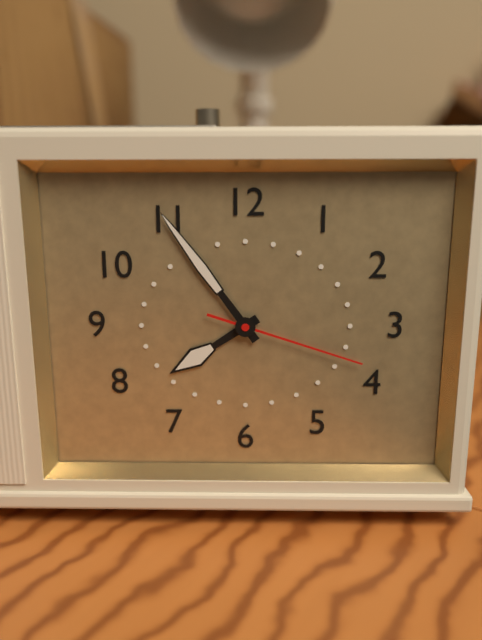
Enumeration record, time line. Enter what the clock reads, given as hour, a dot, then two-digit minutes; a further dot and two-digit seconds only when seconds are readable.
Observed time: 7.54.18
